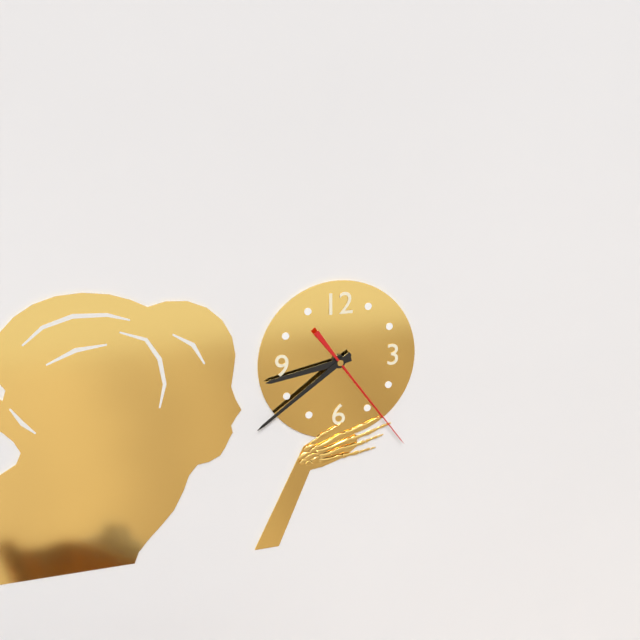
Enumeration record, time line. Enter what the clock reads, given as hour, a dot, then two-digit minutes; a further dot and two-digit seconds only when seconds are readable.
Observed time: 8.39.24
